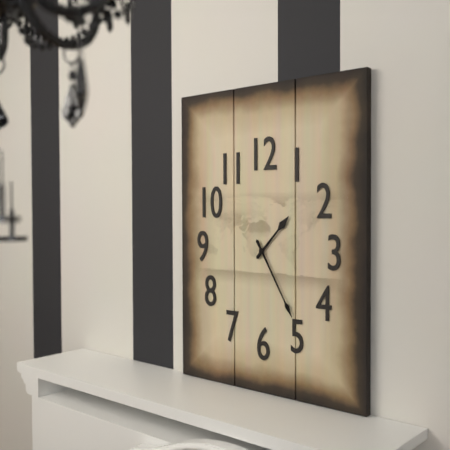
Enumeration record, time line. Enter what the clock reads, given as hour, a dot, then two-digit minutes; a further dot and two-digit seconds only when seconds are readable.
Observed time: 1.25
